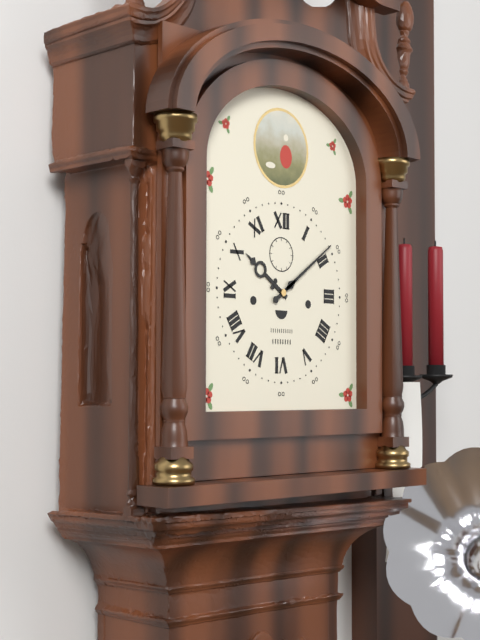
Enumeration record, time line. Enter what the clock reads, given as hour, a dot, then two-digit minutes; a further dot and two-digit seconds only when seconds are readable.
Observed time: 10.09
